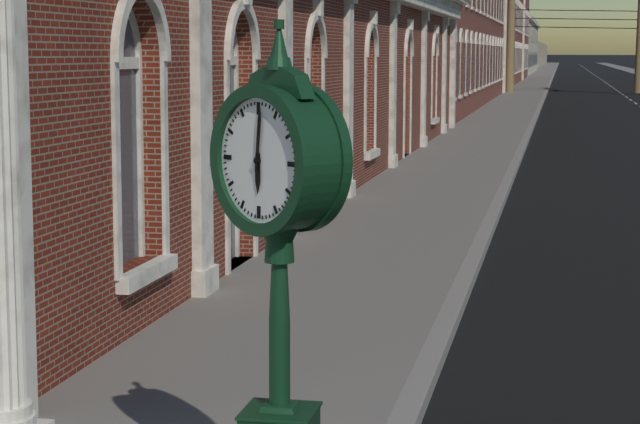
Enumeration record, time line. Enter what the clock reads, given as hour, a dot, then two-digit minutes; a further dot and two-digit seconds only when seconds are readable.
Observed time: 6.01
